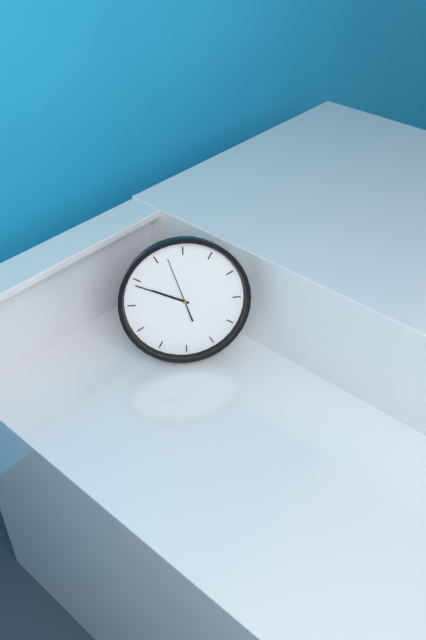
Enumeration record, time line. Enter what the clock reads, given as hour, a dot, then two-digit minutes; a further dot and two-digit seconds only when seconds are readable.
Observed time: 9.49.57
